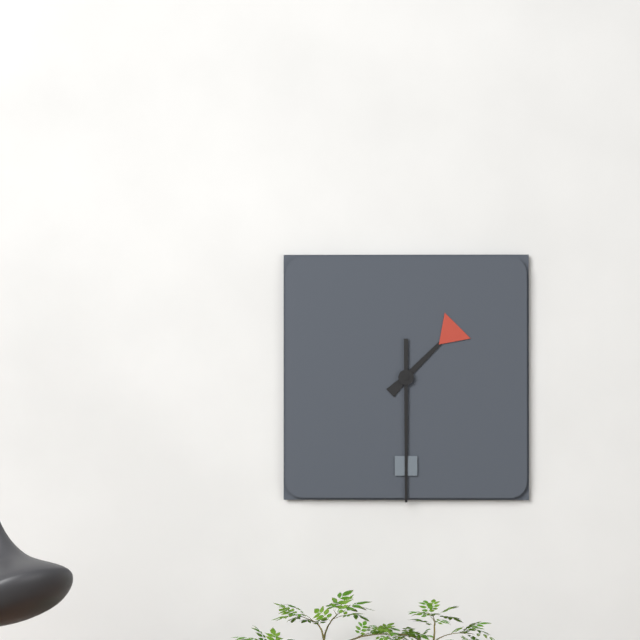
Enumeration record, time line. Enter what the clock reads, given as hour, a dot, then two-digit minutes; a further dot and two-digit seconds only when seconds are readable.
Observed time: 1.30
